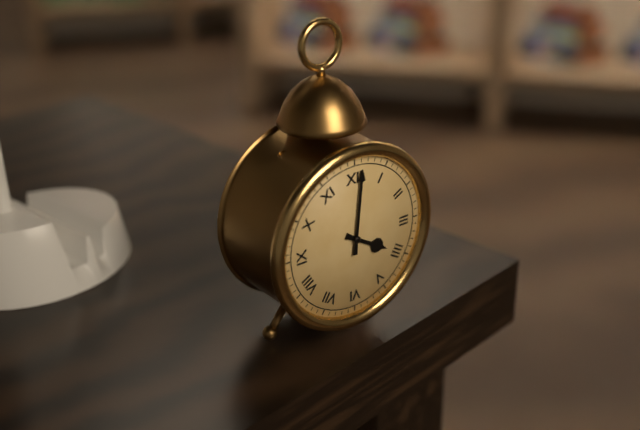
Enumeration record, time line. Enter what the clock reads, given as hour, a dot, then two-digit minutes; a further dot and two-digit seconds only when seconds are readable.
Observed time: 4.01
